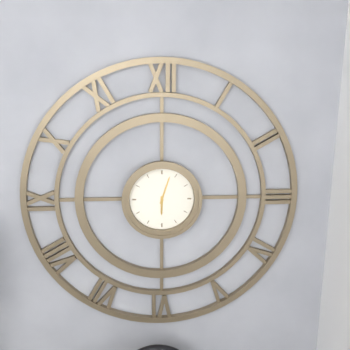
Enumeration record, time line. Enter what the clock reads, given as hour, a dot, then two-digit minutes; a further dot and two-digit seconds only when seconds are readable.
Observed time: 6.03
